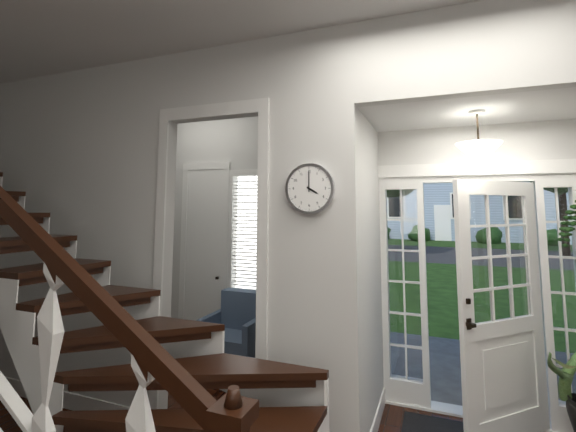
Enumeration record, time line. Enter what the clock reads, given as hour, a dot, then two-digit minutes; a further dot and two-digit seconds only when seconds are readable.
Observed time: 4.00
